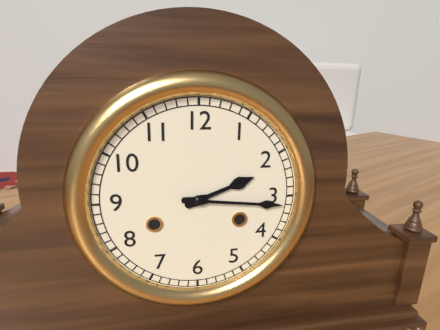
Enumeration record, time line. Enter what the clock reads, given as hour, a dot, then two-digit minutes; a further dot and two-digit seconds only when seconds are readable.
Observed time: 2.16
